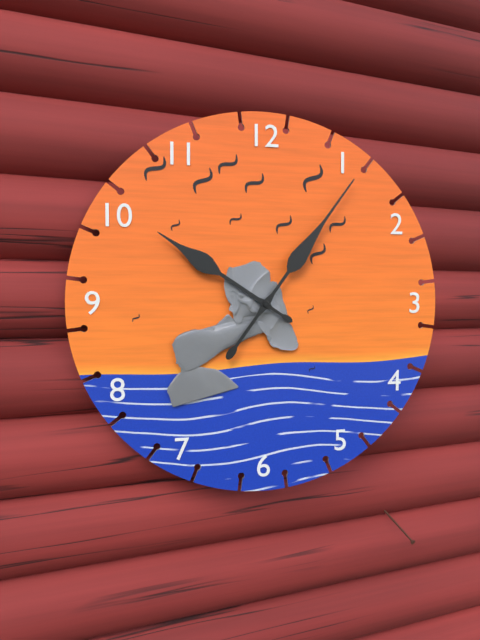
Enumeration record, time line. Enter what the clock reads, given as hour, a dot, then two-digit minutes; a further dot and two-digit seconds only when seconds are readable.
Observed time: 10.06
